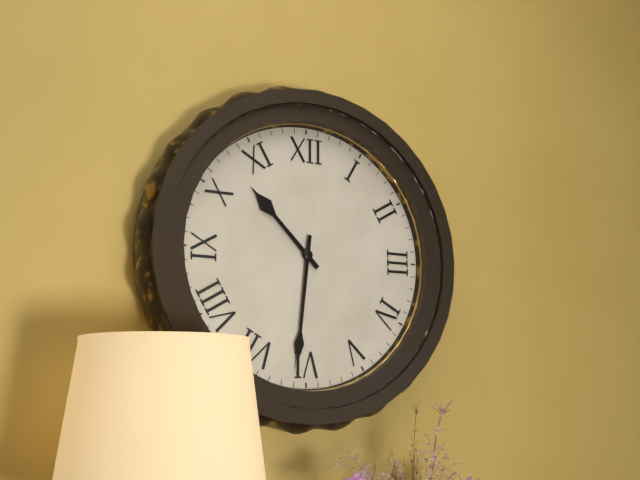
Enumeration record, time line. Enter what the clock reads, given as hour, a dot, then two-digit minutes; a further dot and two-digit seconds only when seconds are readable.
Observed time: 10.31
